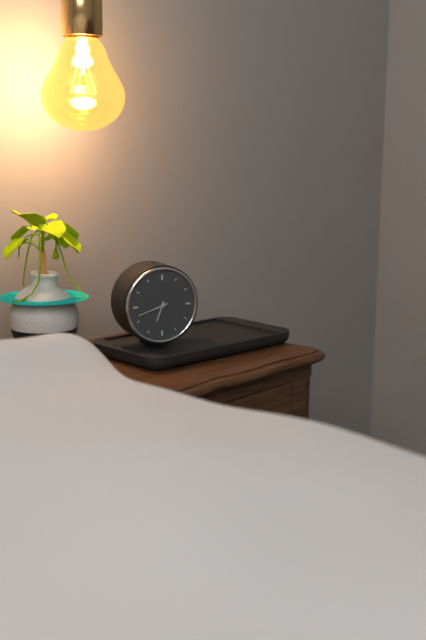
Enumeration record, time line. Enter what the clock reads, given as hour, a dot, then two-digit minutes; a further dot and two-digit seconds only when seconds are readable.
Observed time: 6.42
